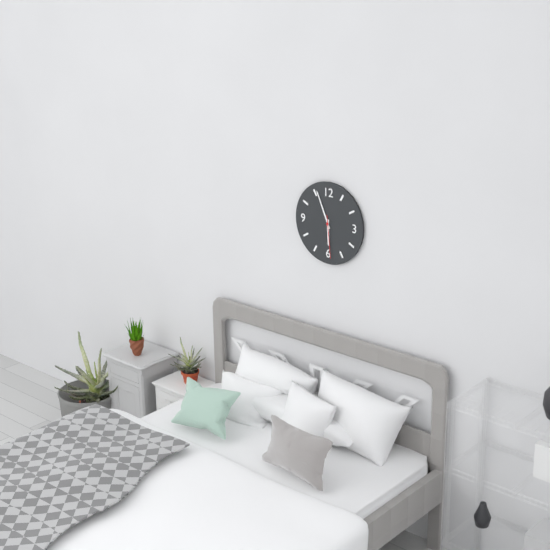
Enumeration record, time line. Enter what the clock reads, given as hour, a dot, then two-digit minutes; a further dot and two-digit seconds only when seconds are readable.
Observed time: 5.56
